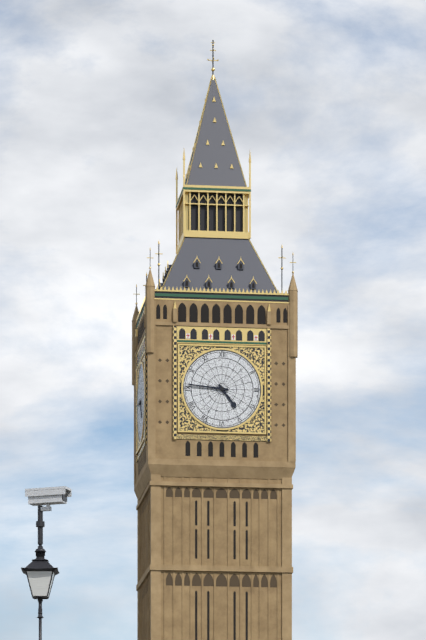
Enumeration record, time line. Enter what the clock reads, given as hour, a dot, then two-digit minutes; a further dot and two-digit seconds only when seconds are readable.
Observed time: 4.46
